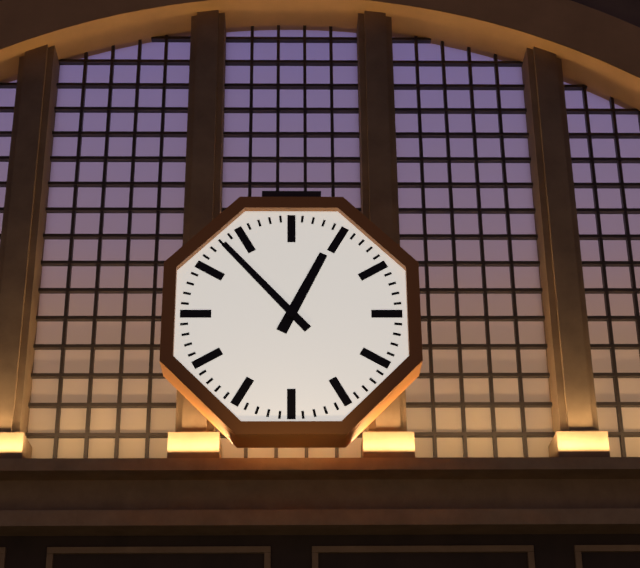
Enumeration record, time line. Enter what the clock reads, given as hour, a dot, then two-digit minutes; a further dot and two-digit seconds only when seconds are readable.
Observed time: 12.53
